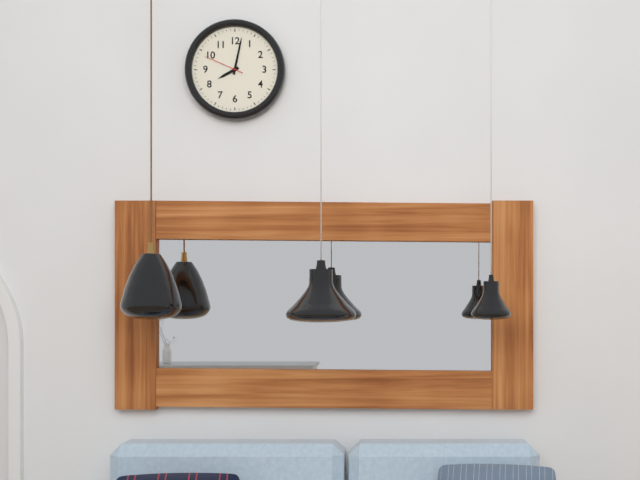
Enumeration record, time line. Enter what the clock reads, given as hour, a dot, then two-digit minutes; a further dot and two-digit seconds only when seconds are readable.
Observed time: 8.02
